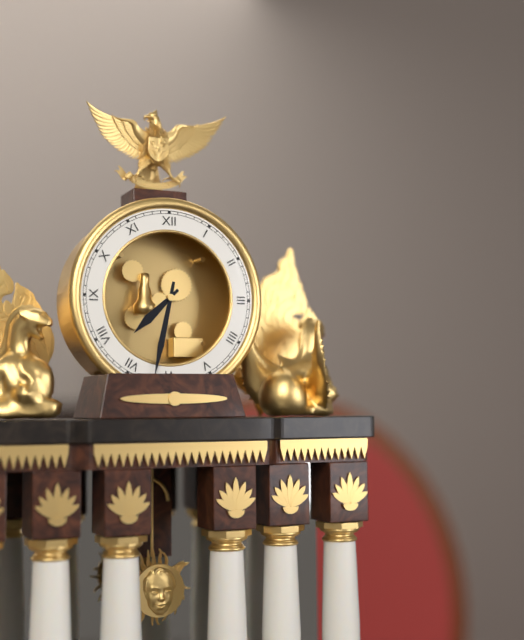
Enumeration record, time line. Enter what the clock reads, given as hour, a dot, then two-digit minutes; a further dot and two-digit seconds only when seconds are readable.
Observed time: 7.32
